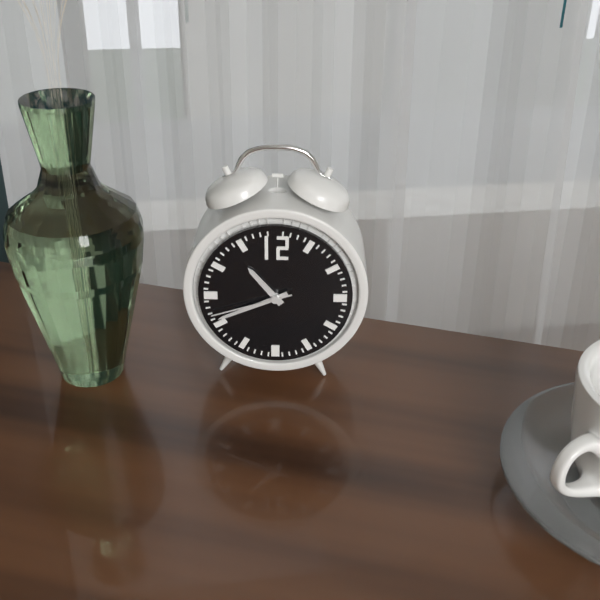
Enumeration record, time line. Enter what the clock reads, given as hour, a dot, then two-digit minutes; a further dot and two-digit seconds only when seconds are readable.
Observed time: 10.41.42
